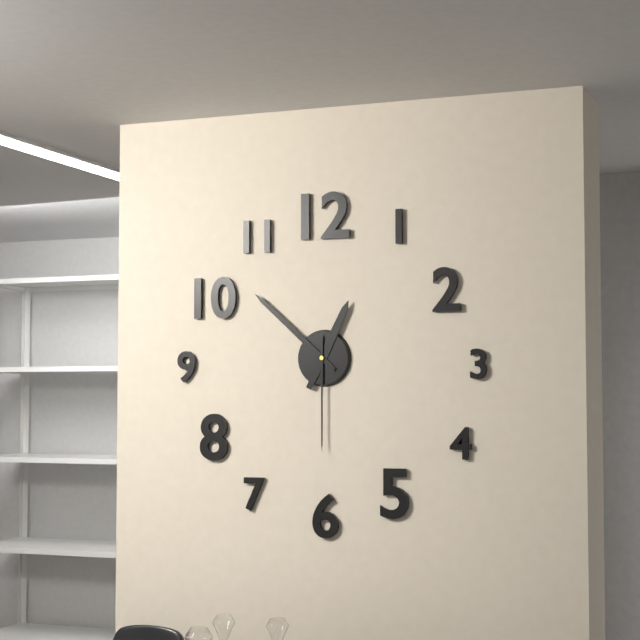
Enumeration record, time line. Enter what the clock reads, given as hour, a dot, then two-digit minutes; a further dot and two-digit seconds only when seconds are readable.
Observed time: 12.52.30
